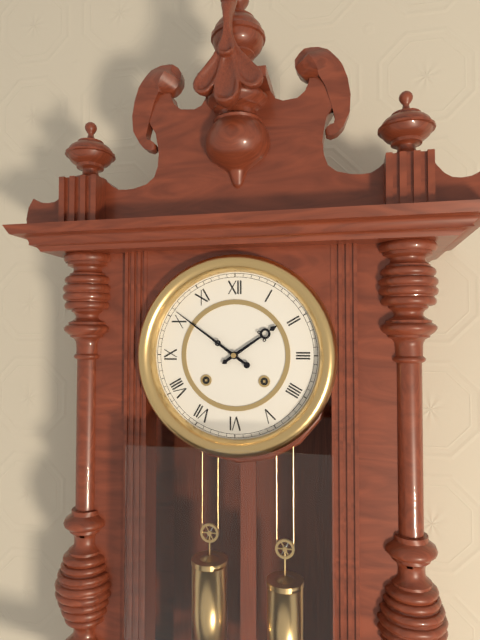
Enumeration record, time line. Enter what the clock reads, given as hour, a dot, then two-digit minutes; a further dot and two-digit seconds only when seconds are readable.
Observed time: 1.51
